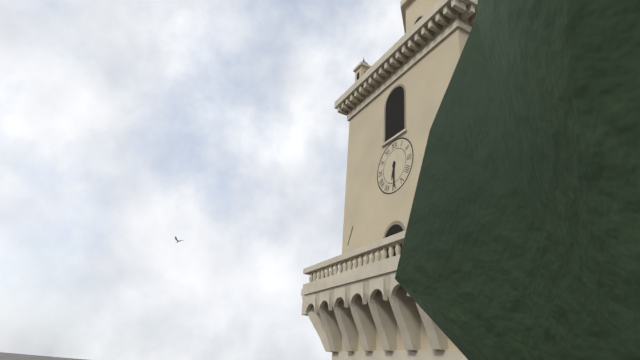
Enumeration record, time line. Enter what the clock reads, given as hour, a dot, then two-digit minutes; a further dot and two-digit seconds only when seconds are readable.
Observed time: 6.30
